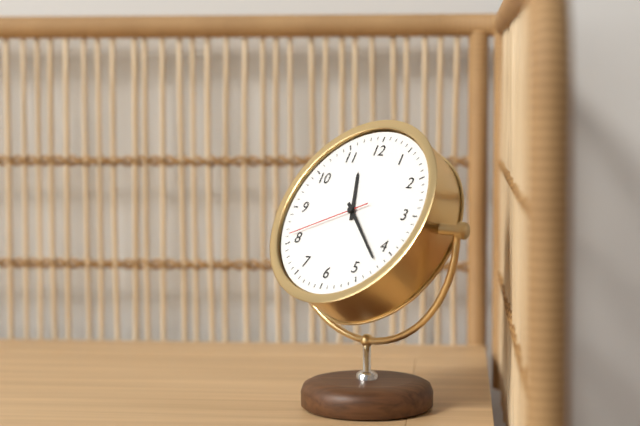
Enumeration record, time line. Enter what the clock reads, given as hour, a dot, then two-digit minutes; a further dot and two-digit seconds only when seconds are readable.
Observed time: 11.22.41
